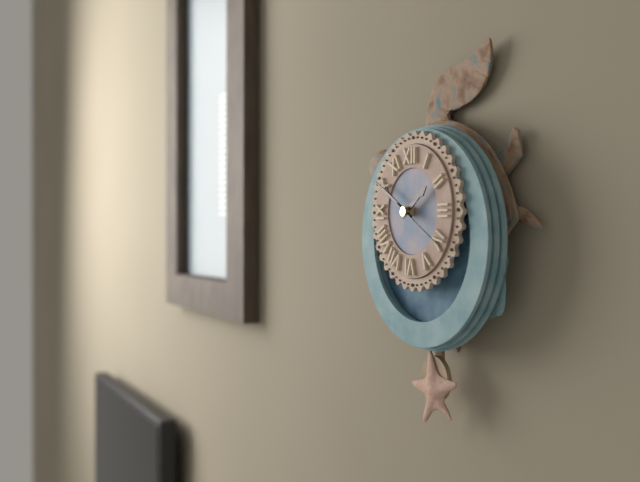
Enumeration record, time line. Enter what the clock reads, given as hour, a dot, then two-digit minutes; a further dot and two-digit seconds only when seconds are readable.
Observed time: 1.50.20
